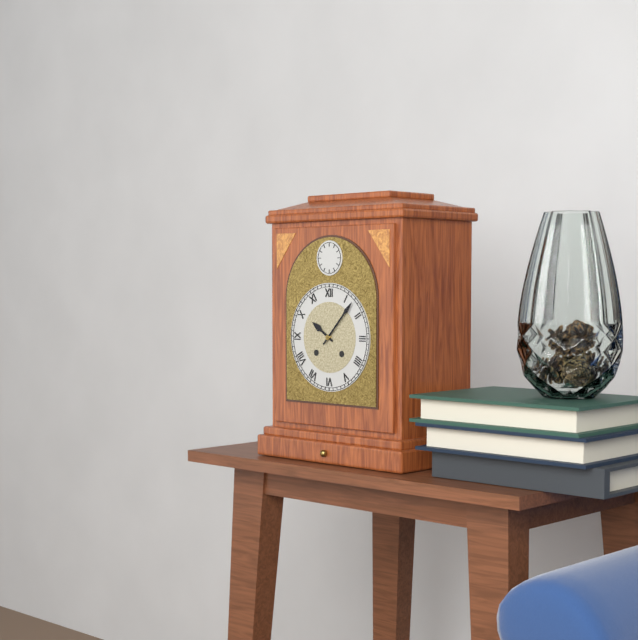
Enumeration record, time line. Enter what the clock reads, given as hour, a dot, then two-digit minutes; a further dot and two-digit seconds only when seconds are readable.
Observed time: 10.07
